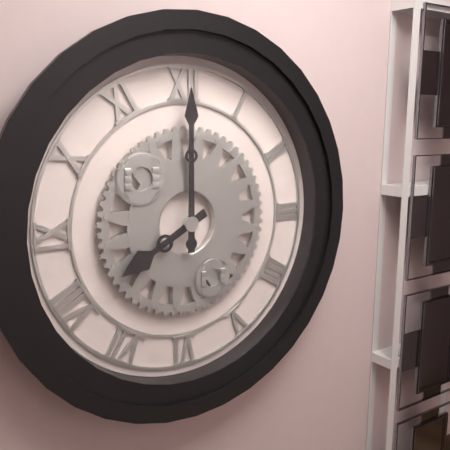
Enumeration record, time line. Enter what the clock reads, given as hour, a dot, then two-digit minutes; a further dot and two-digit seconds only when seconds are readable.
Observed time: 8.00
